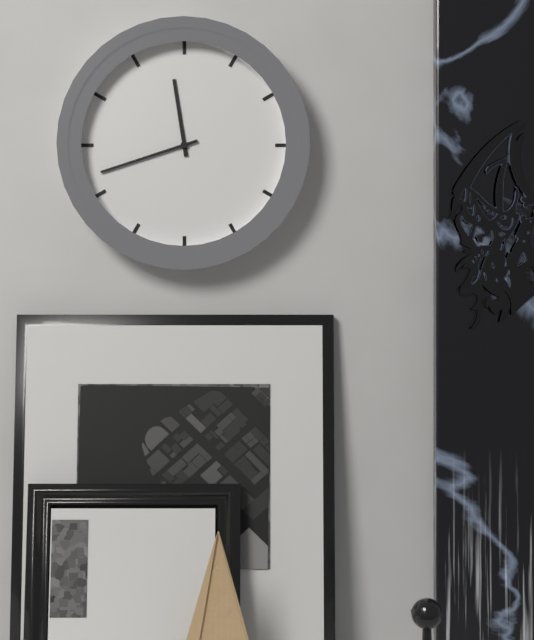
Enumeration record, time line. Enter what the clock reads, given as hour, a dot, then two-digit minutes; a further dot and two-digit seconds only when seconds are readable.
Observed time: 11.42
